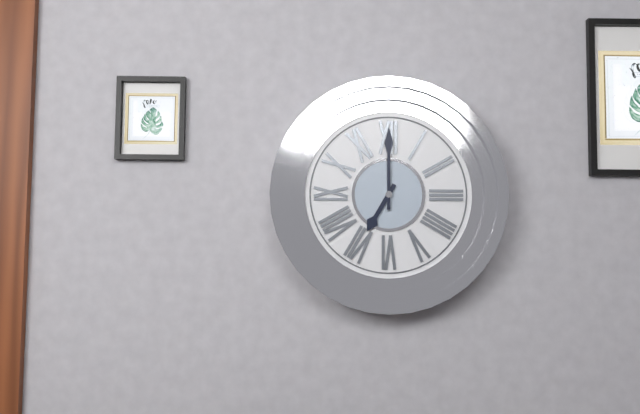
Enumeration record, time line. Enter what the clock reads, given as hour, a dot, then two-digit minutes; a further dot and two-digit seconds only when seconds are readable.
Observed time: 7.00
